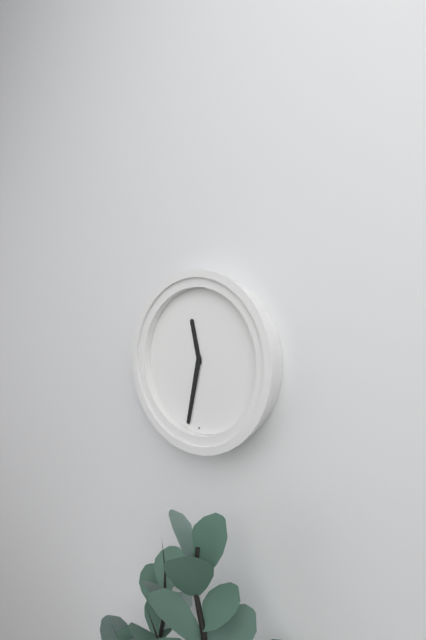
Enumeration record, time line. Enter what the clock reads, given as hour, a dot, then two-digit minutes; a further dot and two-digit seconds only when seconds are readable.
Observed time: 11.32
